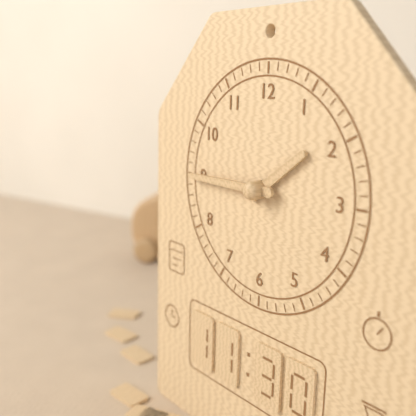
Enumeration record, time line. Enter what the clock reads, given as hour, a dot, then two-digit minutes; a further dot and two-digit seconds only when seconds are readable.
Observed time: 1.45
